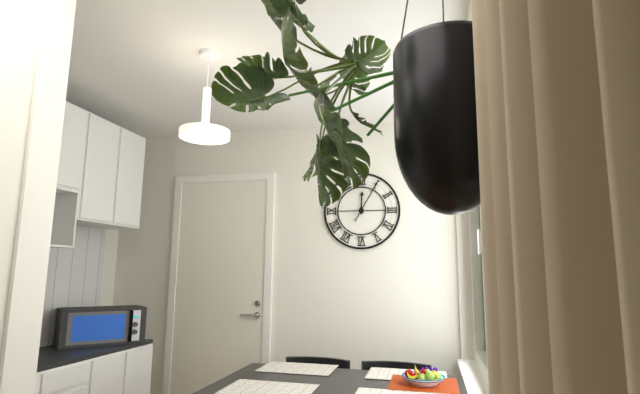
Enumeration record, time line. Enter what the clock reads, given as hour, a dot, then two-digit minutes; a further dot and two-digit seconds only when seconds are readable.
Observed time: 12.05
